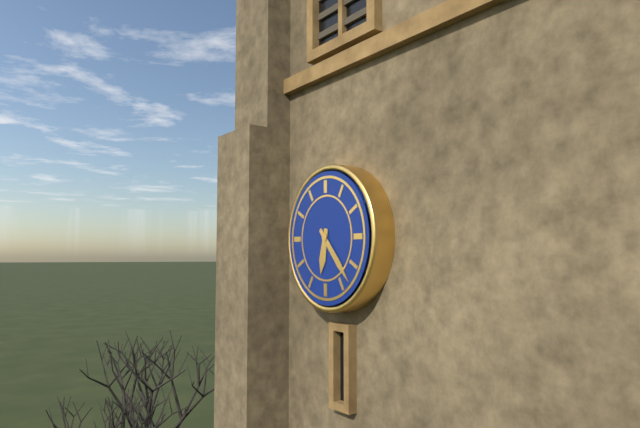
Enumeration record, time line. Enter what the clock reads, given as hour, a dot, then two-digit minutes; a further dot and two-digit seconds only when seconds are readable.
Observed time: 6.23
